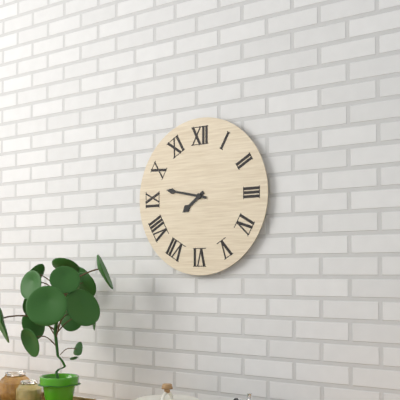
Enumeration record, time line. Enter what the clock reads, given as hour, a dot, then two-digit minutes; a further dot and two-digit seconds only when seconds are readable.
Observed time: 7.47
